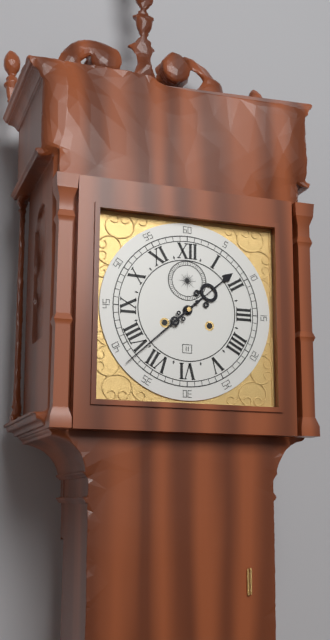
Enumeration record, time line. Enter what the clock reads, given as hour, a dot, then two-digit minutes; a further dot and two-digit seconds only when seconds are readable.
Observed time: 1.38
